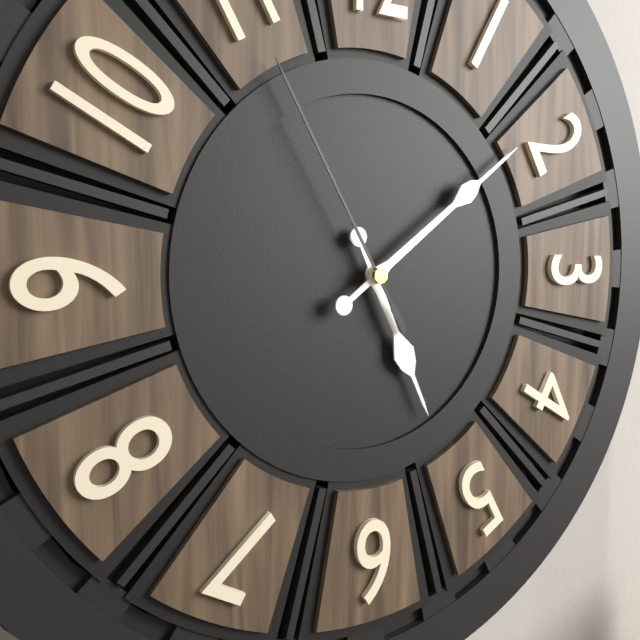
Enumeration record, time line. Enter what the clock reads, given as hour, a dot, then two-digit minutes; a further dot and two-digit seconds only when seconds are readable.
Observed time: 5.09.55
